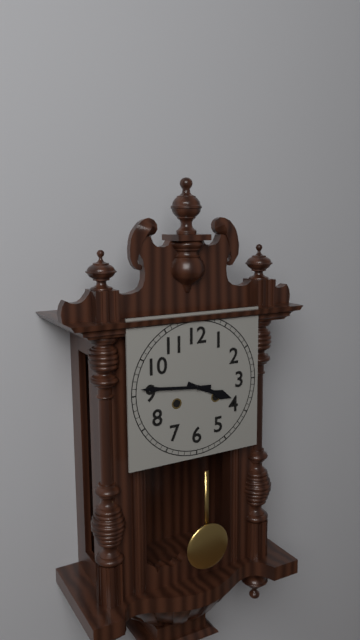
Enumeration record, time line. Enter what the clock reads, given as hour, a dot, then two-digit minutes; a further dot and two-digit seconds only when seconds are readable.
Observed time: 3.46
